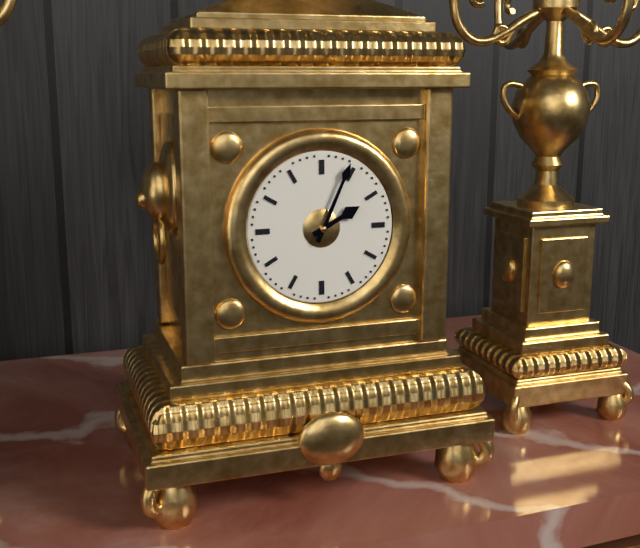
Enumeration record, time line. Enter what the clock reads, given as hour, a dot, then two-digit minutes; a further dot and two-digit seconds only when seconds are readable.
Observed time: 2.04
